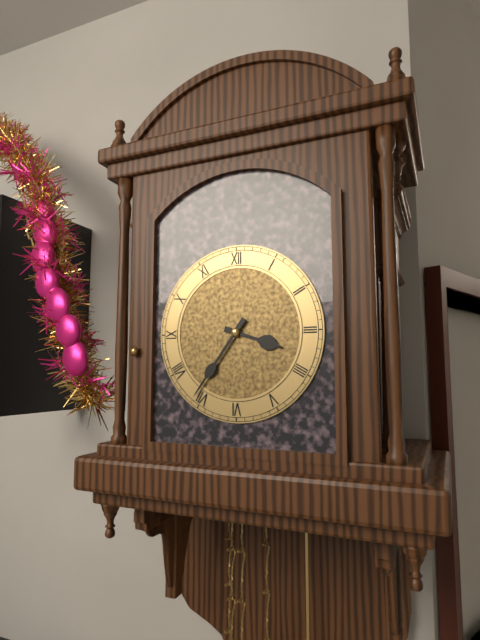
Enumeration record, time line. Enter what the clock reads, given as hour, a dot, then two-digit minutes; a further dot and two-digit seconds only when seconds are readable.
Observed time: 3.36
